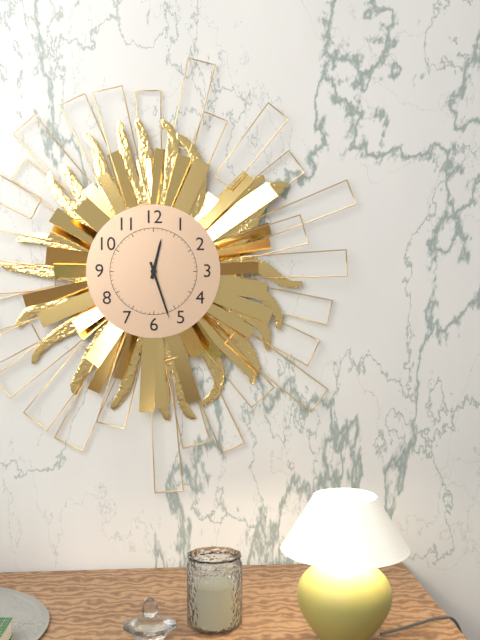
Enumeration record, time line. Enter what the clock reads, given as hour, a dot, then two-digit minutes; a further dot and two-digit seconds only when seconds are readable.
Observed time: 12.27
